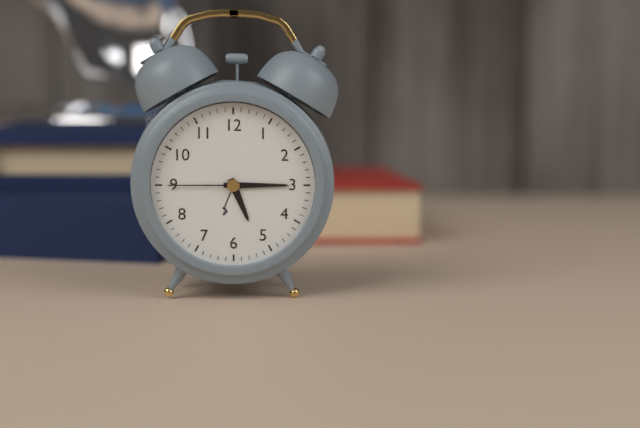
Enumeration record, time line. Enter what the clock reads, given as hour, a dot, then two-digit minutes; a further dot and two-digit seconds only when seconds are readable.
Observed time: 5.15.45
